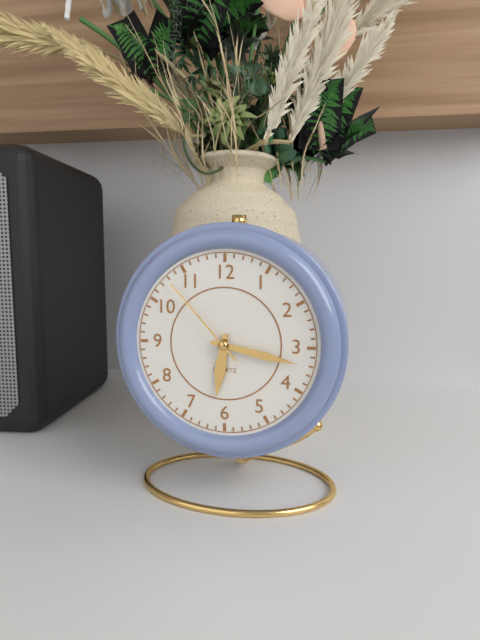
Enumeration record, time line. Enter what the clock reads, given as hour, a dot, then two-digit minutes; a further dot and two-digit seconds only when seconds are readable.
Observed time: 6.17.53
